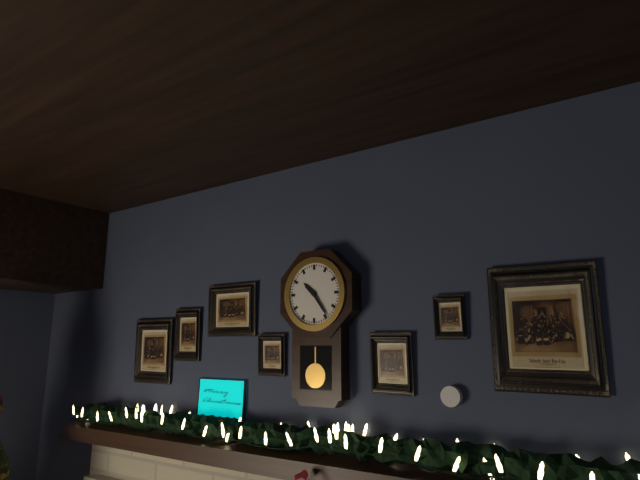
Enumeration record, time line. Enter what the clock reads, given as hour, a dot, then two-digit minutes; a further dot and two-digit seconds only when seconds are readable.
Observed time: 10.24
